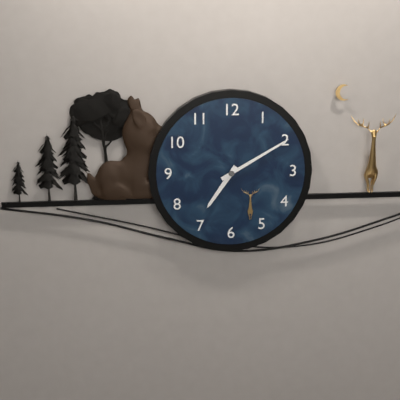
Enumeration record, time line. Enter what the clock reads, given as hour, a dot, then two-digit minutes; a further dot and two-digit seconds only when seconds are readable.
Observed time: 7.10
